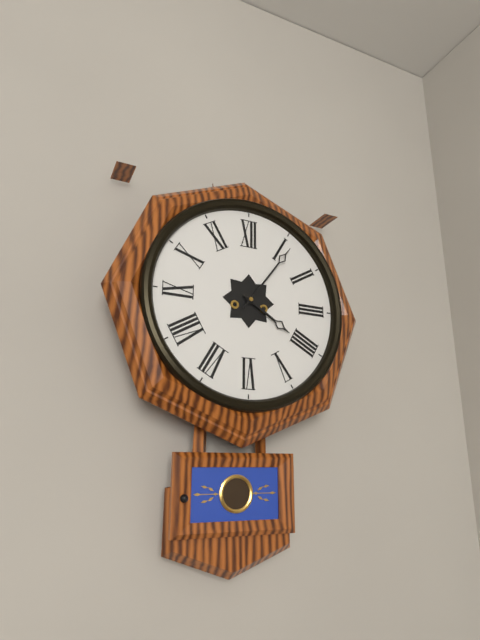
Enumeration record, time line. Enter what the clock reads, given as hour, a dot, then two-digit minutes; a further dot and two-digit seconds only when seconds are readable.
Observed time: 4.06
